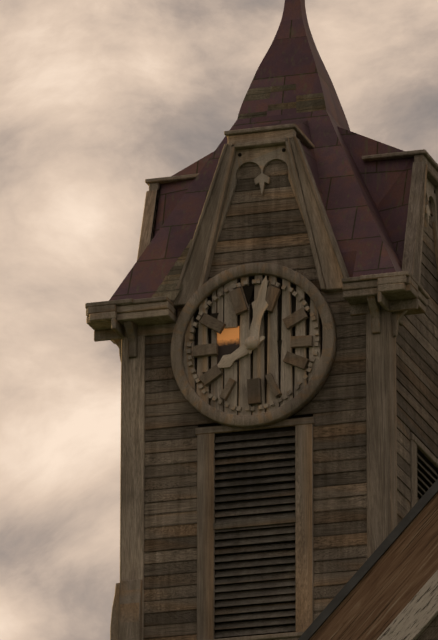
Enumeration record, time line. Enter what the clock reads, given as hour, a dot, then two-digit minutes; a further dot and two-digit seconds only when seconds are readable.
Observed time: 8.02
